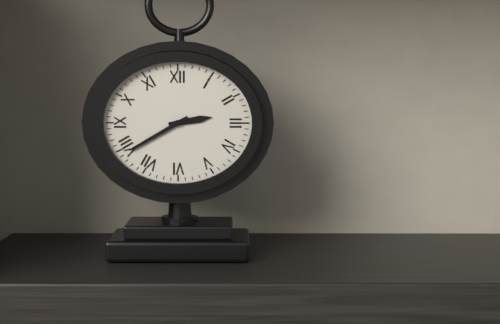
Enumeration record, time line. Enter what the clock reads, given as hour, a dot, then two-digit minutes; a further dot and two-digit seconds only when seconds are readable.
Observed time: 2.40
